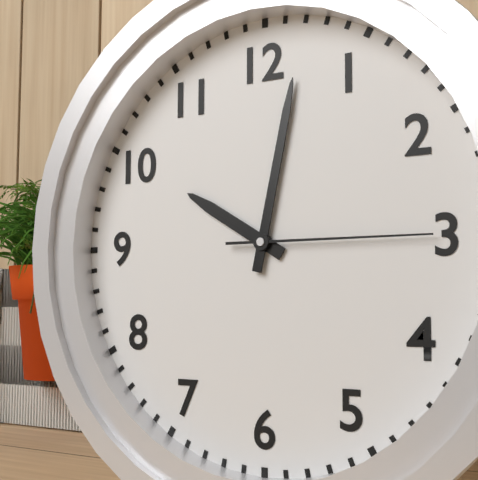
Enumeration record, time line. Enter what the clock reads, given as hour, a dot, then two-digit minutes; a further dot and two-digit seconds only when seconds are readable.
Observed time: 10.02.15
